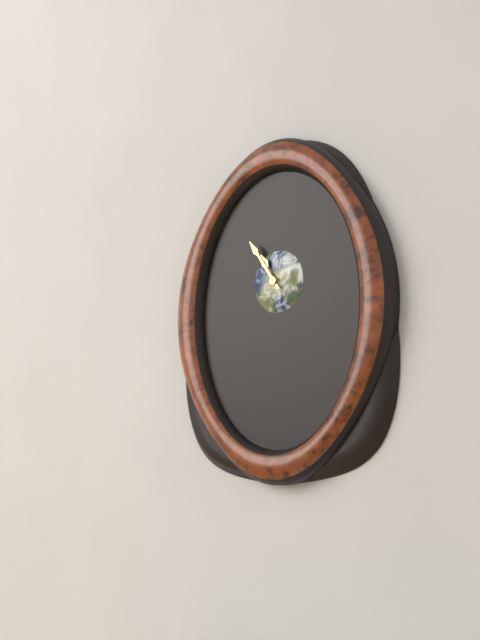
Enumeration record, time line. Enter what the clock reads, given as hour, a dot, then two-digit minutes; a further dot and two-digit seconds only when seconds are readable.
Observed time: 10.54
